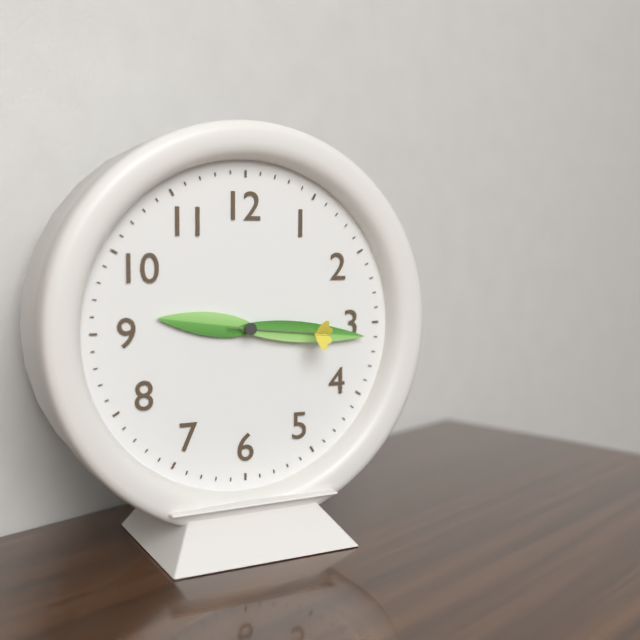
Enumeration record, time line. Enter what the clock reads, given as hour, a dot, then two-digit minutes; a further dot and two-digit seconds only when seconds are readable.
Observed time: 9.16.16
